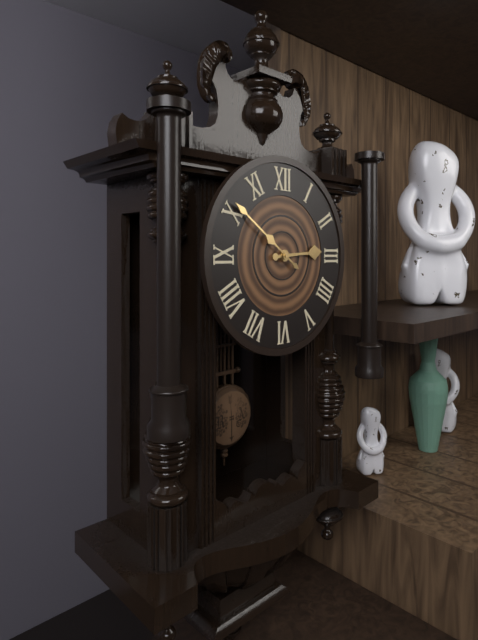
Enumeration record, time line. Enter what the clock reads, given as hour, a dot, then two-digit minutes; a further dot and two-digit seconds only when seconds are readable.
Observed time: 2.51
